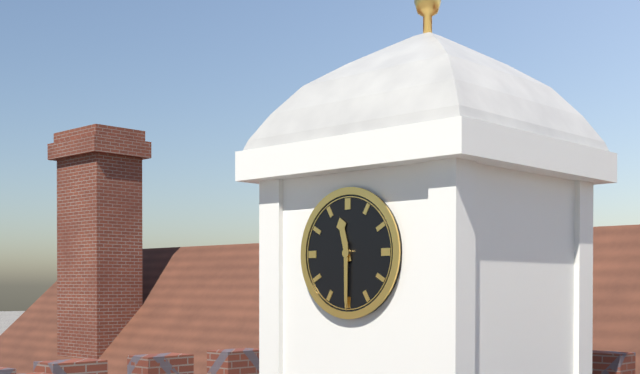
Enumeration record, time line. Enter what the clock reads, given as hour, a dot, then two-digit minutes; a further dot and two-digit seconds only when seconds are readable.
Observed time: 11.30
